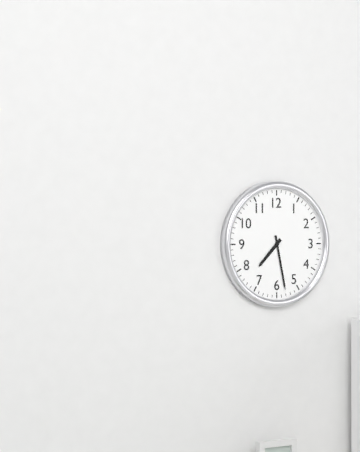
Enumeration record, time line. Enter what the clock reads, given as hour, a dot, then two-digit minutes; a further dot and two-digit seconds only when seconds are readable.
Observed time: 7.28
